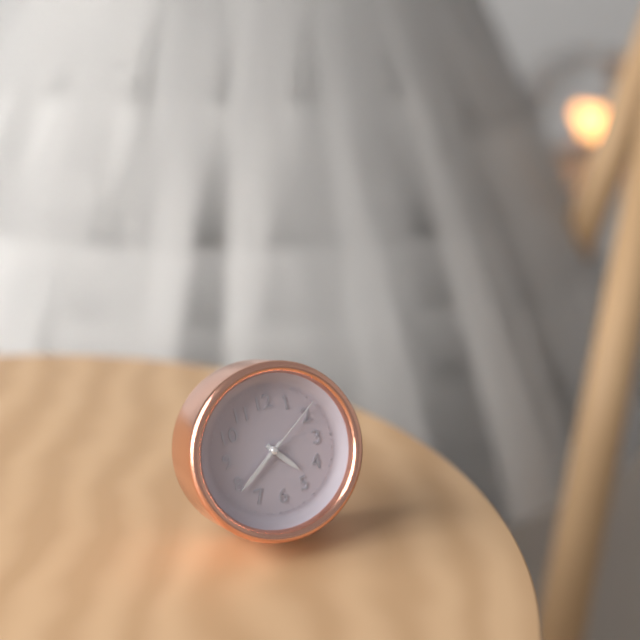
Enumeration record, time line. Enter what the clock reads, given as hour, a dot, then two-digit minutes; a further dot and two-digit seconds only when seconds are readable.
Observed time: 4.39.09
